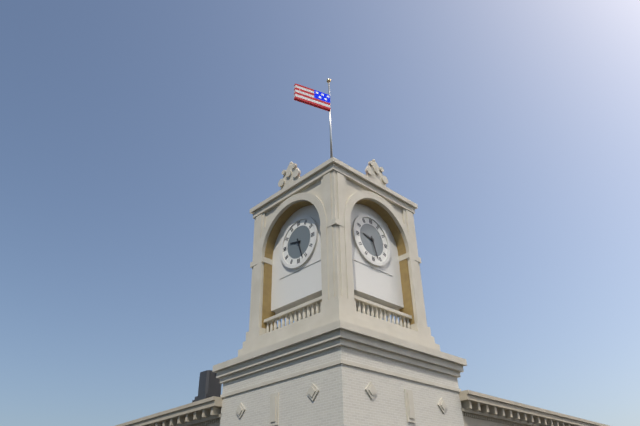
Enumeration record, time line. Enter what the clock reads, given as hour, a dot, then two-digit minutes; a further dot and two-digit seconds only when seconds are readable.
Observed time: 9.27
